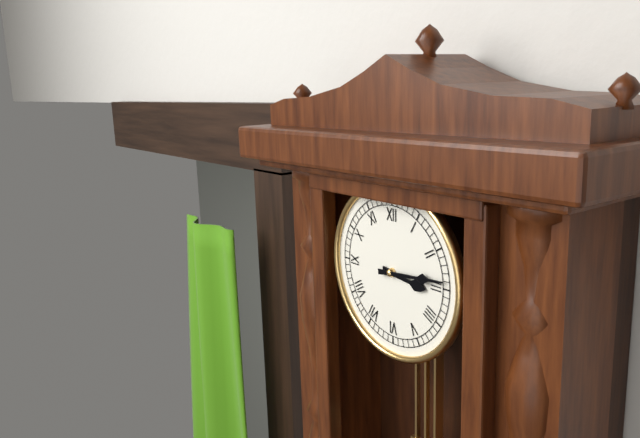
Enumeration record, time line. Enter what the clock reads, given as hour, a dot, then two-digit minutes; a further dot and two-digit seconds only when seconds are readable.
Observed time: 3.14
